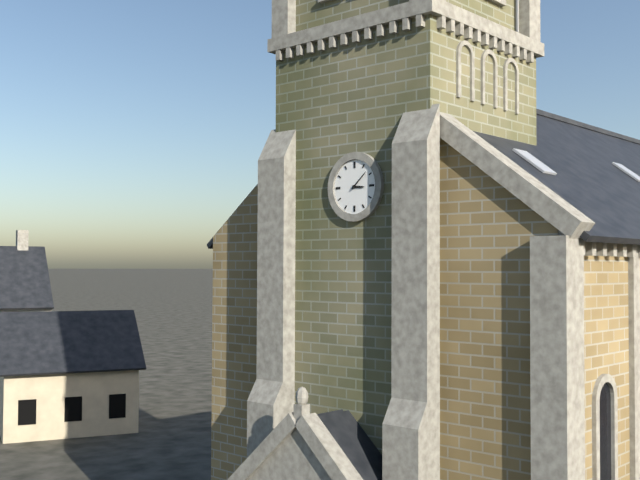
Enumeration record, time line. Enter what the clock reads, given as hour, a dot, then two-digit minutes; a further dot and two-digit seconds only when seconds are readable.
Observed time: 3.08
